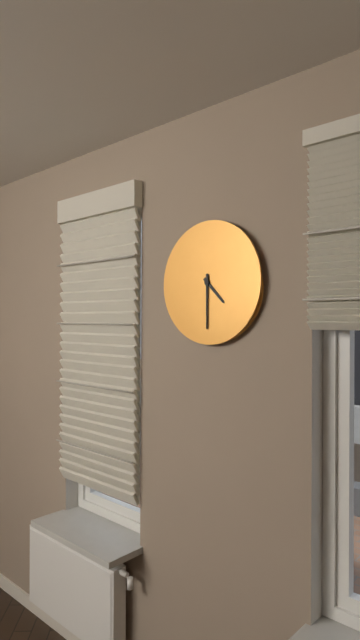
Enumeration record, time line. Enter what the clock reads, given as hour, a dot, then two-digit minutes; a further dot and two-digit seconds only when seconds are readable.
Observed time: 4.30
